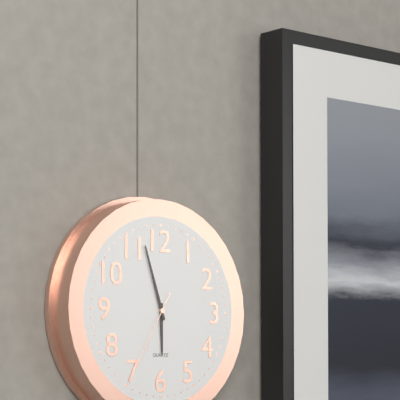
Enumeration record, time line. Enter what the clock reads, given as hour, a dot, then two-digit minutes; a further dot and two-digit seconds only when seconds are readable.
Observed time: 5.57.35
